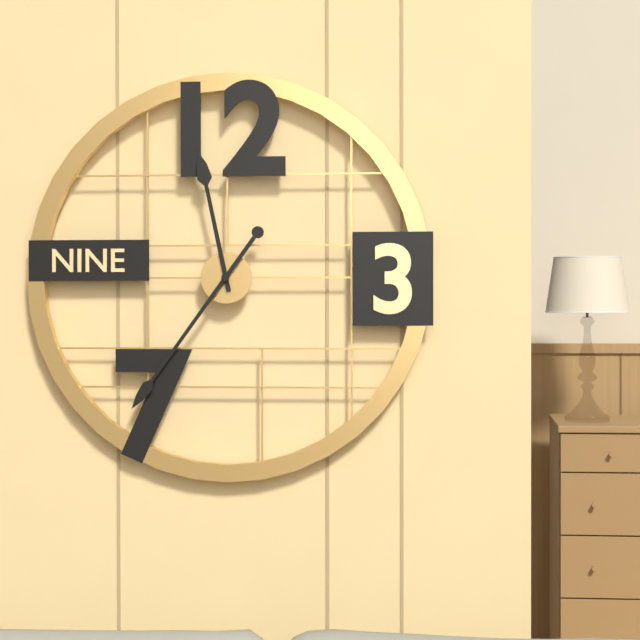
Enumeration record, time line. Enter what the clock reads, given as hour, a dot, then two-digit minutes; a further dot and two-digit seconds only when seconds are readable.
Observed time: 11.36
